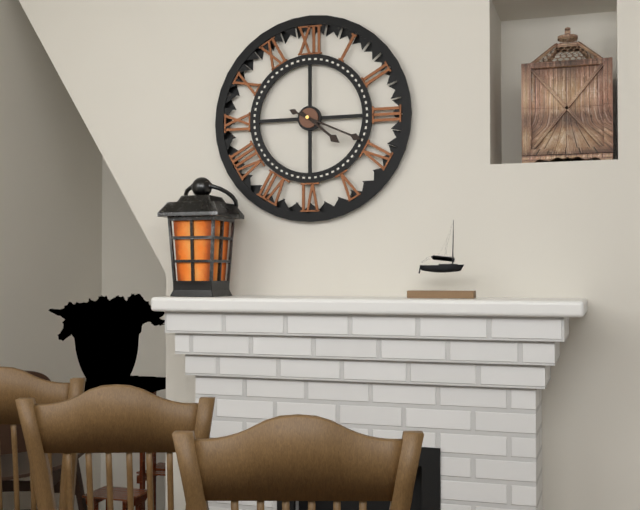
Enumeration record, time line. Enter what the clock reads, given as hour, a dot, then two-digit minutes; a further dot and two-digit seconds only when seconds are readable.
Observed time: 4.19
